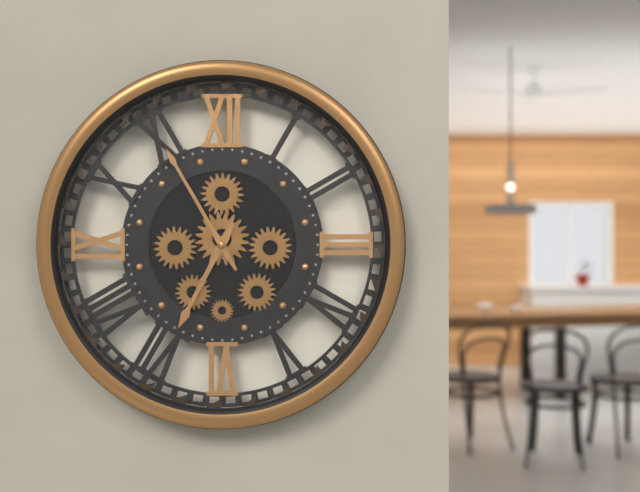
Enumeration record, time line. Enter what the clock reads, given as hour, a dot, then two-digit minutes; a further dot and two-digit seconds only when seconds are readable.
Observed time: 6.55
